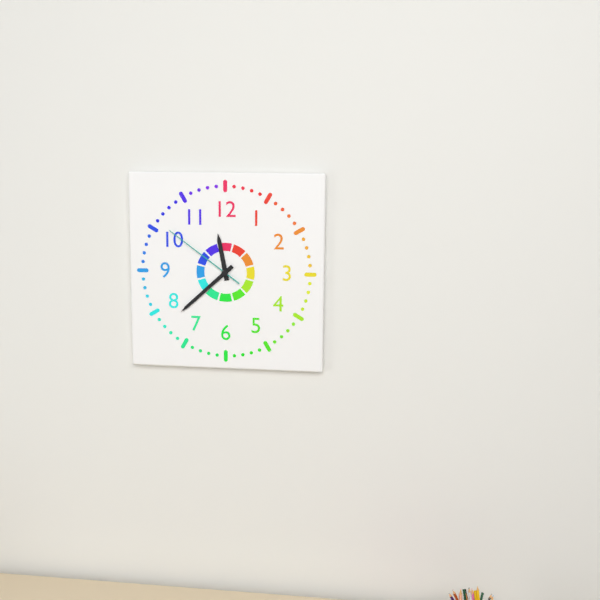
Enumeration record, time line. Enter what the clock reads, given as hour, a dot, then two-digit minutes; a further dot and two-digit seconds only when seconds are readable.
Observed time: 11.38.51
